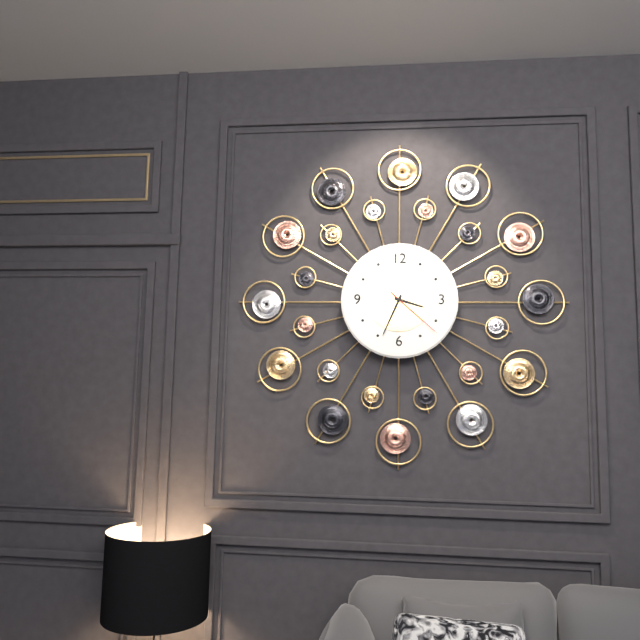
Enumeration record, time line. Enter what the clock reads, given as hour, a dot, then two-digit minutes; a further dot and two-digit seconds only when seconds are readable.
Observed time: 3.34.22
